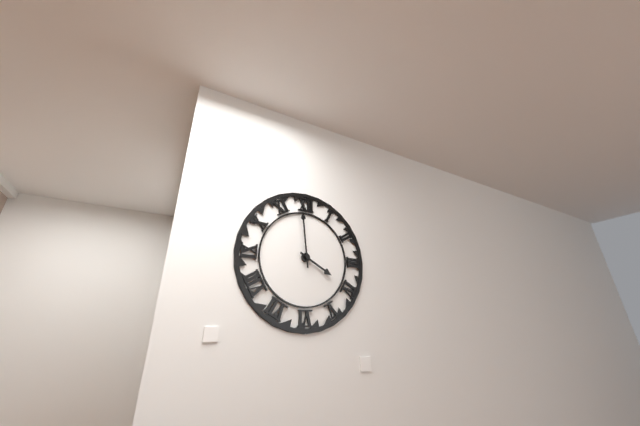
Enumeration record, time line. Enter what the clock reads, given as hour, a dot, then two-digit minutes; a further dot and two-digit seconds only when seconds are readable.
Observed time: 3.59
